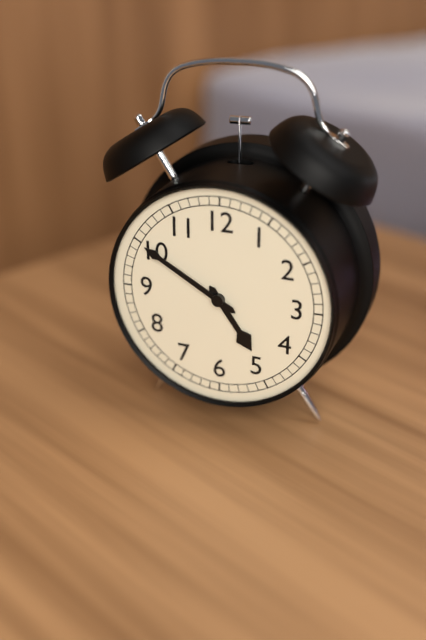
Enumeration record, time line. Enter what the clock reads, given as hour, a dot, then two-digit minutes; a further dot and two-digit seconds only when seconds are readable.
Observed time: 4.50
